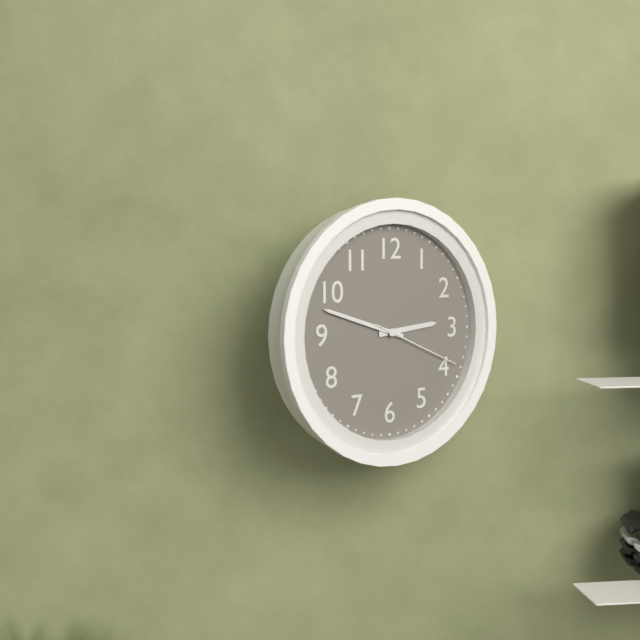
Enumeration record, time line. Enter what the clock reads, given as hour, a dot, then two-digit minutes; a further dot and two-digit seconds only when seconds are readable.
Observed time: 2.48.19
